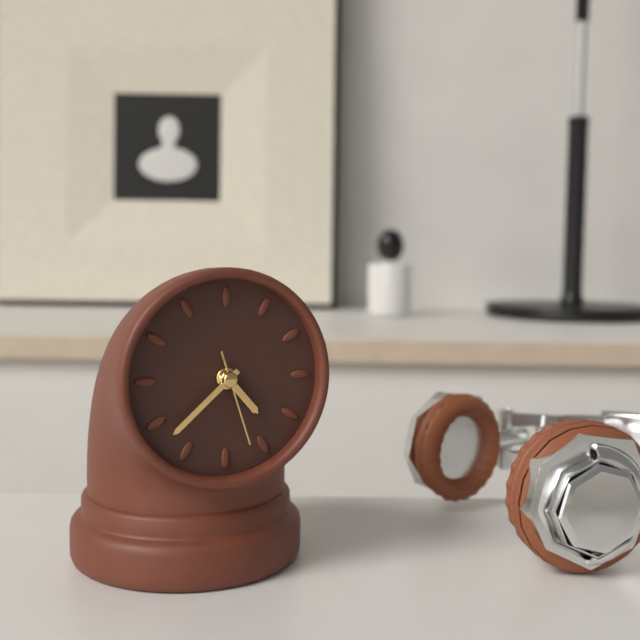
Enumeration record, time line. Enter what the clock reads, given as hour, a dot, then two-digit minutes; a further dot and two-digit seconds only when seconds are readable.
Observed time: 4.38.27
